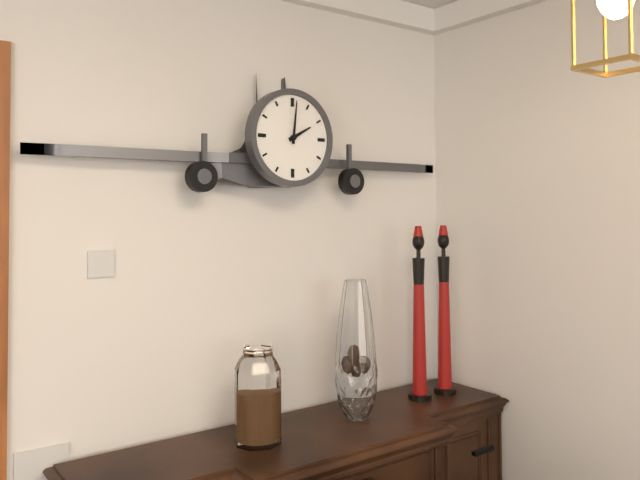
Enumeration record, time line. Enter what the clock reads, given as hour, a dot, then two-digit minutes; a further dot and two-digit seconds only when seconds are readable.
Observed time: 2.01
